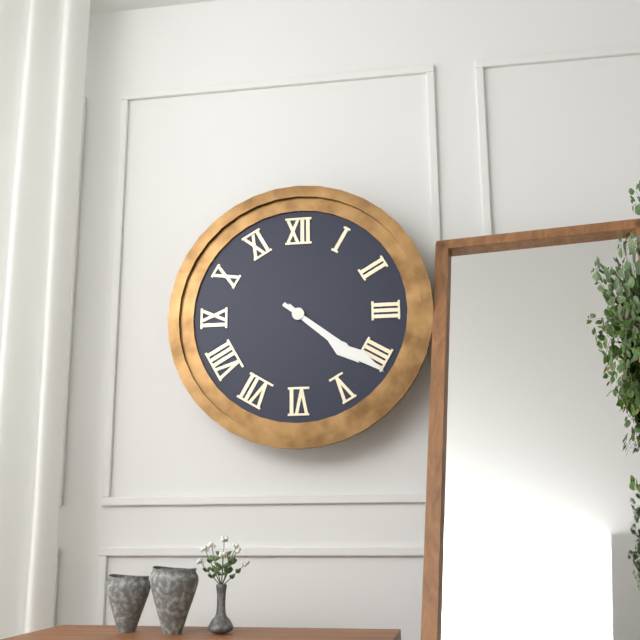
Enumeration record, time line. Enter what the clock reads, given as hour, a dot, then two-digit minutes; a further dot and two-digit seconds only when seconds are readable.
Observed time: 4.21
